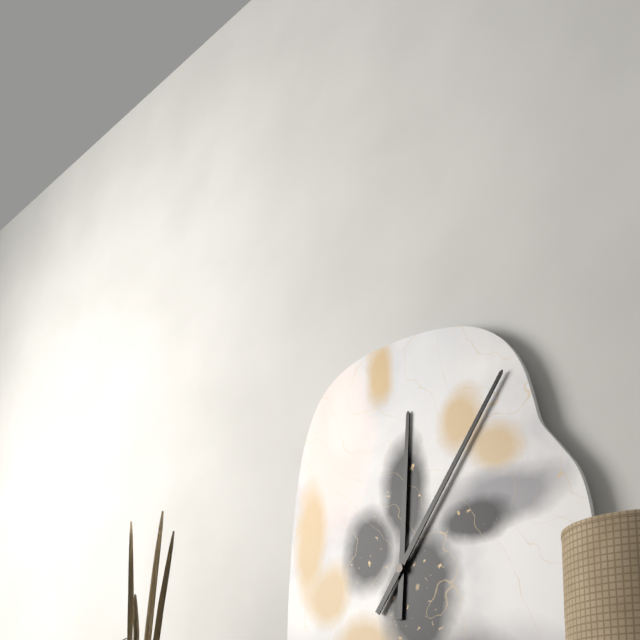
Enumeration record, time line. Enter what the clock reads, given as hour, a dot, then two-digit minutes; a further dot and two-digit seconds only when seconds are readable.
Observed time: 12.06
